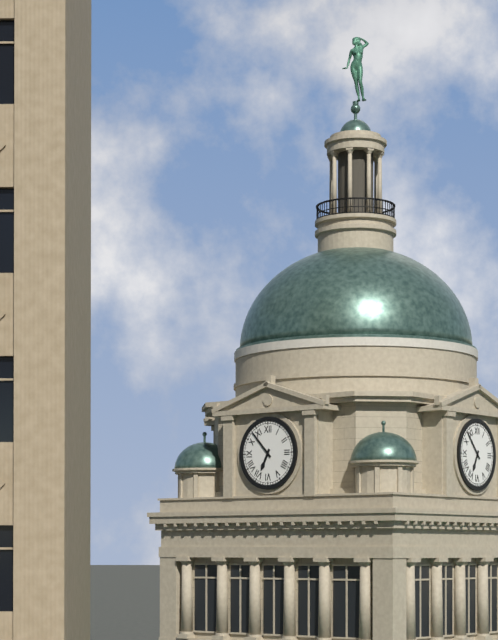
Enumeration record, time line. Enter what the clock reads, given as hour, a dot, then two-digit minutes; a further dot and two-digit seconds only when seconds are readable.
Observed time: 6.53
